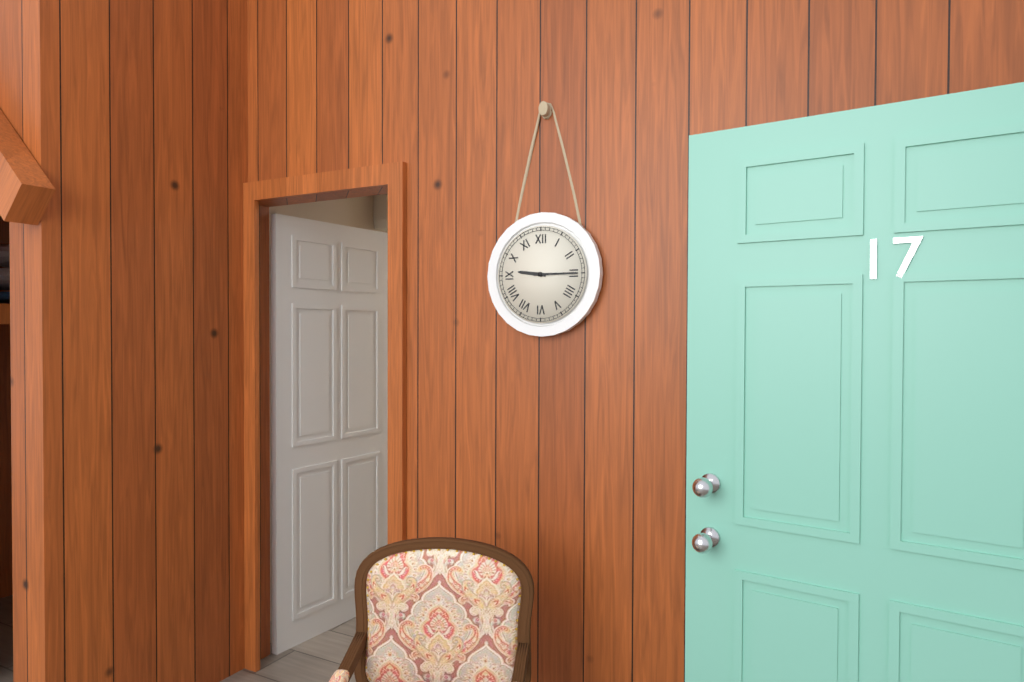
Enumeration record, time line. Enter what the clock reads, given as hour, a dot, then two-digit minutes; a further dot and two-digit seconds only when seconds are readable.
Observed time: 9.15
